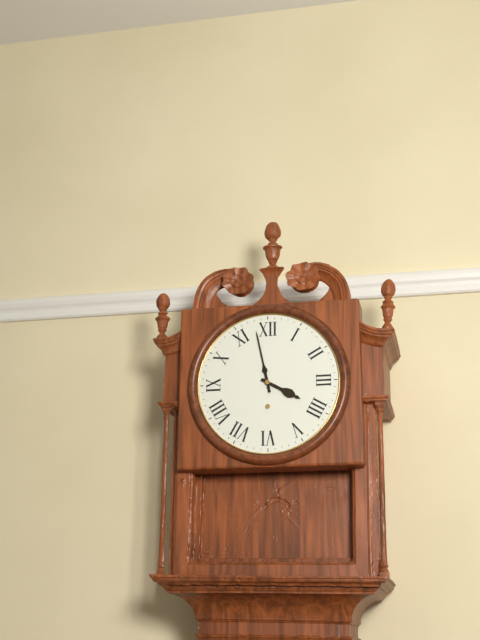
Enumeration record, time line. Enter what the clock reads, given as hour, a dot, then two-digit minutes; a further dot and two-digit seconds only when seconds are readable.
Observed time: 3.58
